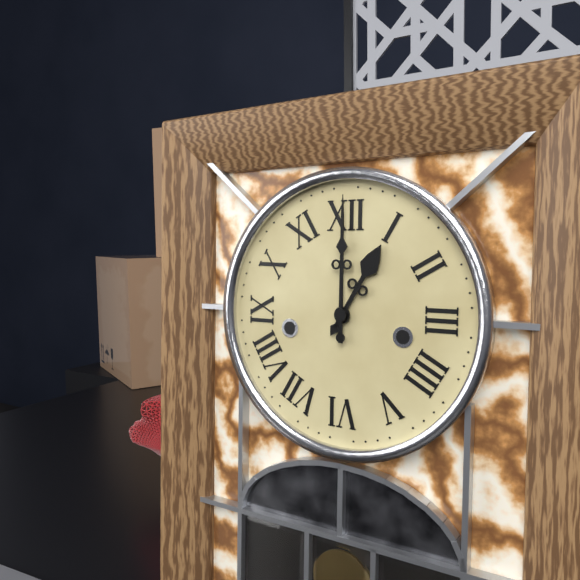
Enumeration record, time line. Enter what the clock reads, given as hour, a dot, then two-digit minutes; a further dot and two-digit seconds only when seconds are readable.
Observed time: 1.00
